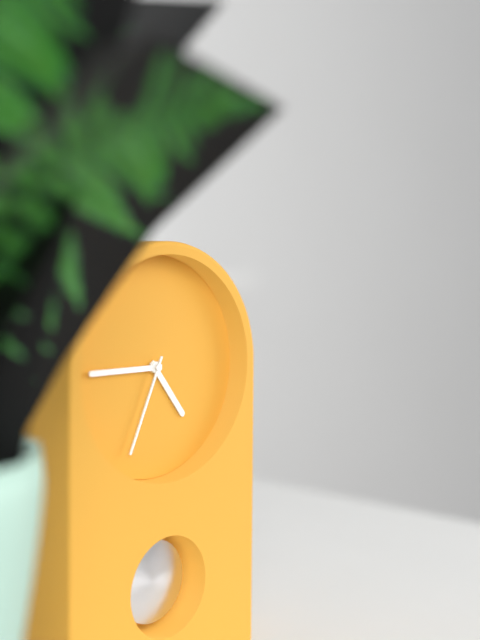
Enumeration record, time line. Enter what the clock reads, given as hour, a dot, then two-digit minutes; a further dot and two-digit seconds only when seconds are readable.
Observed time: 4.45.34
